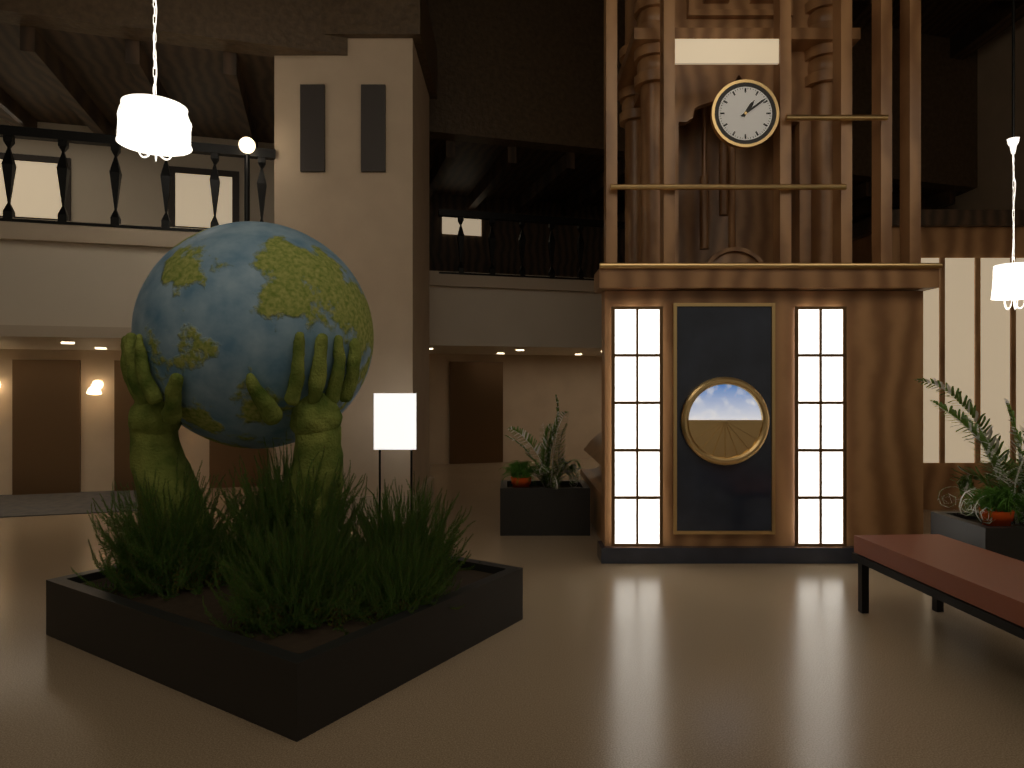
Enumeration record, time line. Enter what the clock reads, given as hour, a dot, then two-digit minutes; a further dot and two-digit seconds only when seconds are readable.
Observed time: 1.09
